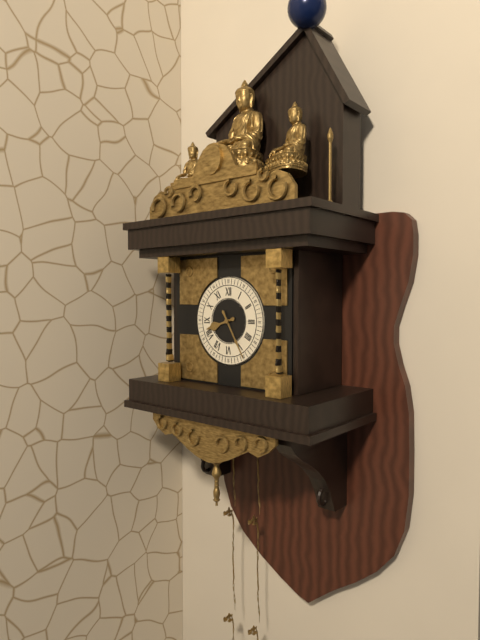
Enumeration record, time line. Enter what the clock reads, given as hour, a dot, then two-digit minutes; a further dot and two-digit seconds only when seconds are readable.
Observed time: 8.25
